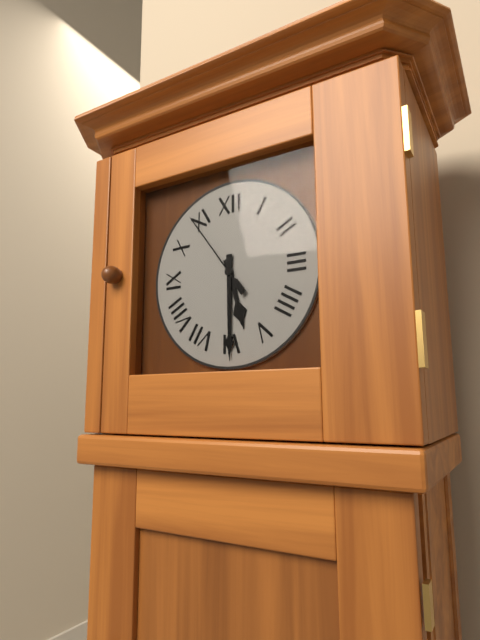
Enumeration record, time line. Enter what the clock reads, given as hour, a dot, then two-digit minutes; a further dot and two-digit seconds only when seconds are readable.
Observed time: 5.30.54
